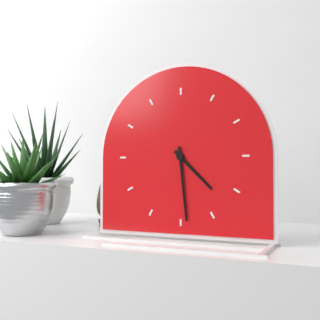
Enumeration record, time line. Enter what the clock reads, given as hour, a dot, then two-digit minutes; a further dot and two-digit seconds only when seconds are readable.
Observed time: 4.29
